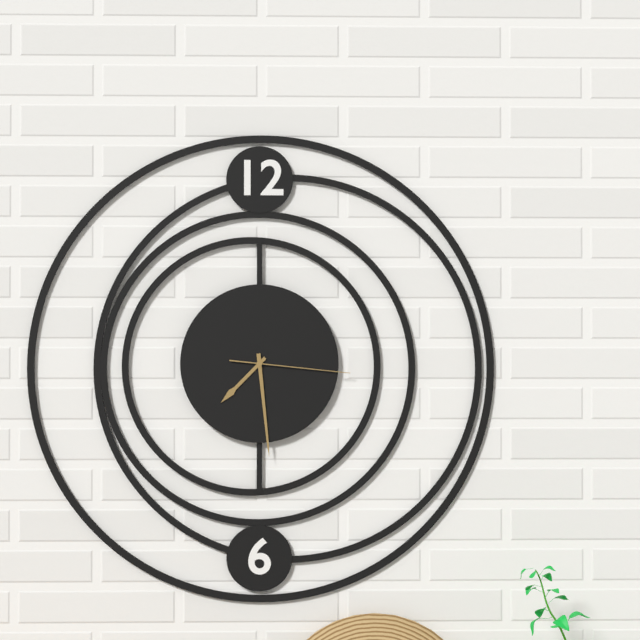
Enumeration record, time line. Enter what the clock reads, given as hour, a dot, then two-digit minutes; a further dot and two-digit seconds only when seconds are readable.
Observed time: 7.29.16
